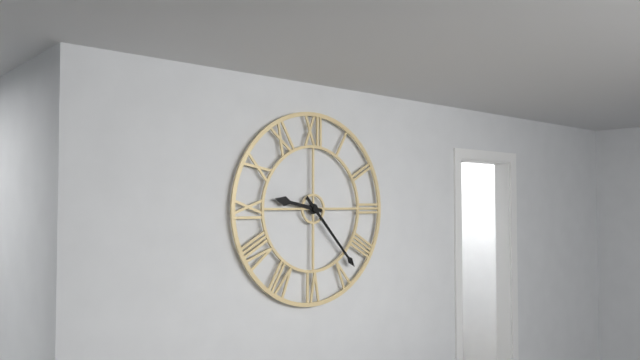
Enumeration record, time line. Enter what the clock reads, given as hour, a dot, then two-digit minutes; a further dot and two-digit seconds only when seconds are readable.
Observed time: 9.23
